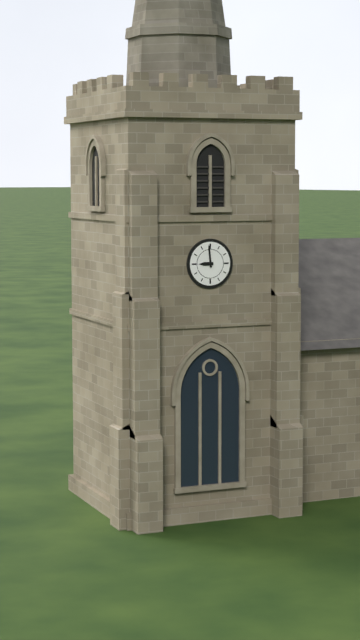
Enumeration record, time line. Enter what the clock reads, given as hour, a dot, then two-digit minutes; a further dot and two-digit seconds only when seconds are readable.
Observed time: 8.59
